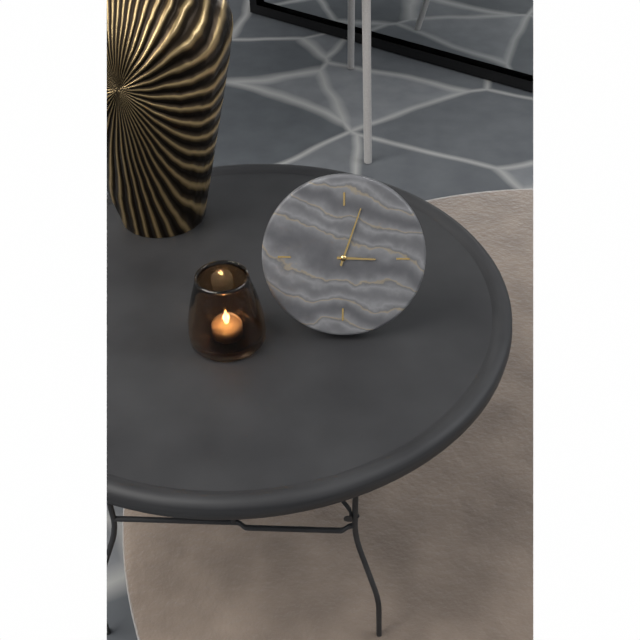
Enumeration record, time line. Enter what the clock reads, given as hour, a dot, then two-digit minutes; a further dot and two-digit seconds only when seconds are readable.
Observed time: 3.03
